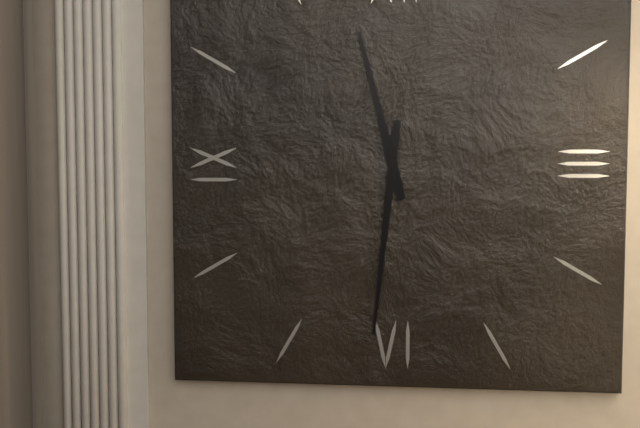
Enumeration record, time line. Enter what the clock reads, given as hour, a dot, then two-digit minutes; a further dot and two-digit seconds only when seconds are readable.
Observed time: 11.31
